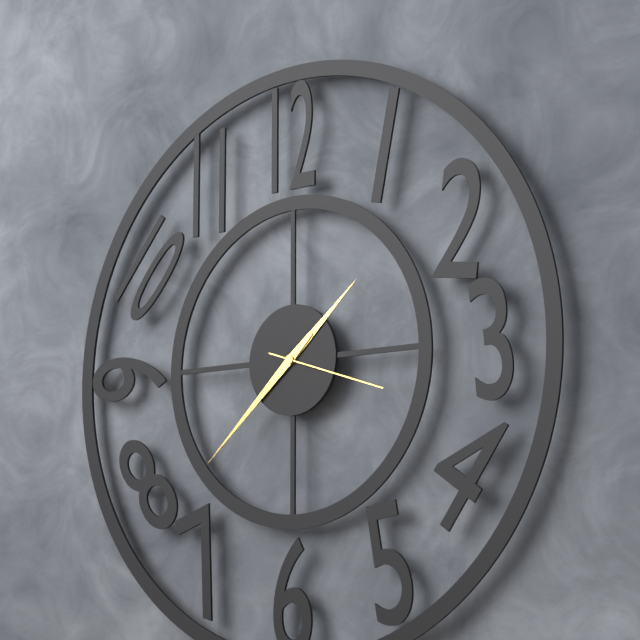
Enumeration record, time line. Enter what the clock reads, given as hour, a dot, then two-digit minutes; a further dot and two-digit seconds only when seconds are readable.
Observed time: 1.38.18
